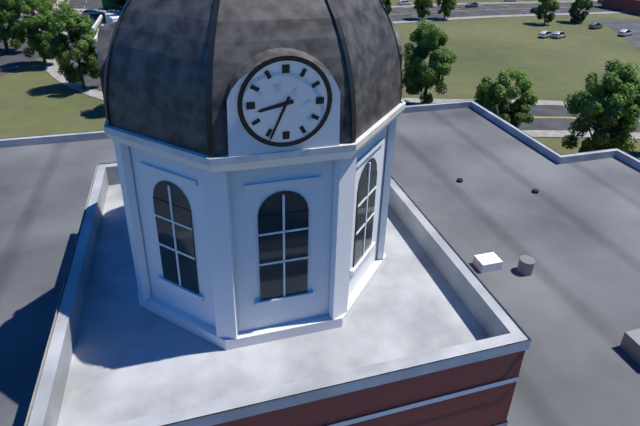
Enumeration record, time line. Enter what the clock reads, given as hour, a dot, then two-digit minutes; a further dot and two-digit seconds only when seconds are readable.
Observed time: 8.34
